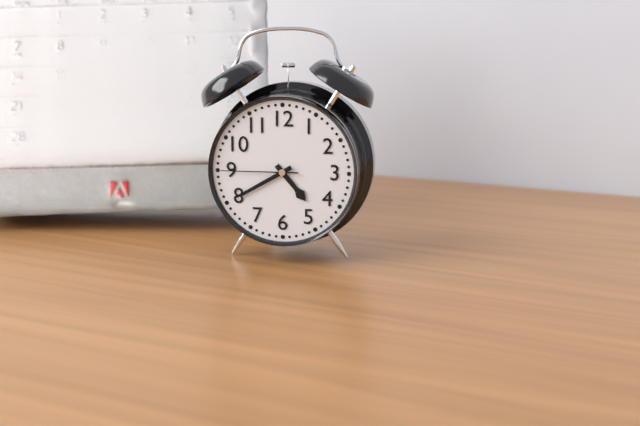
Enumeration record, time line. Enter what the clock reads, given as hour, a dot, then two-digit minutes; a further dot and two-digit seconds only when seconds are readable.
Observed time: 4.40.45
